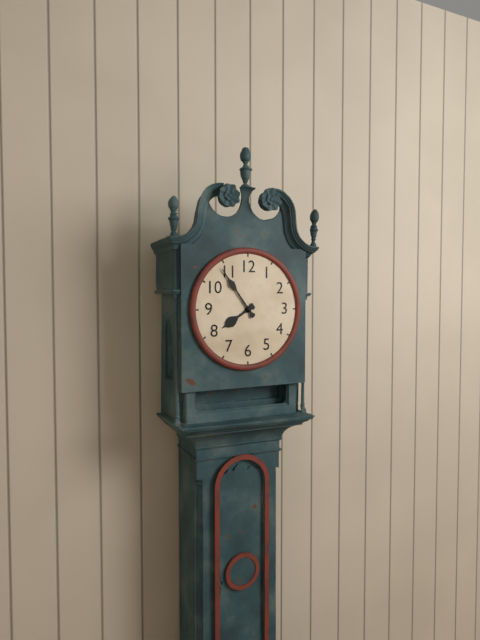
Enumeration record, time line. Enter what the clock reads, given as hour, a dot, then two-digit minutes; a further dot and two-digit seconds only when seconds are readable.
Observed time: 7.54
